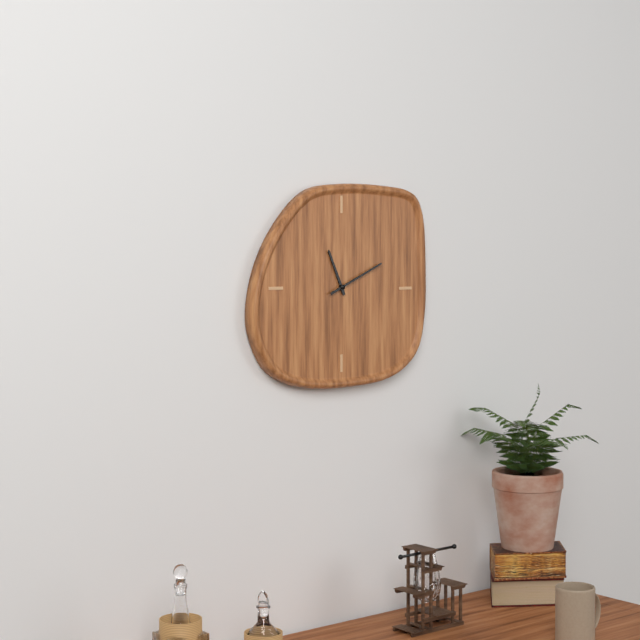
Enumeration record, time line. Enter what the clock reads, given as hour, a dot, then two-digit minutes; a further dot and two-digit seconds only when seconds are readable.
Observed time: 11.11
